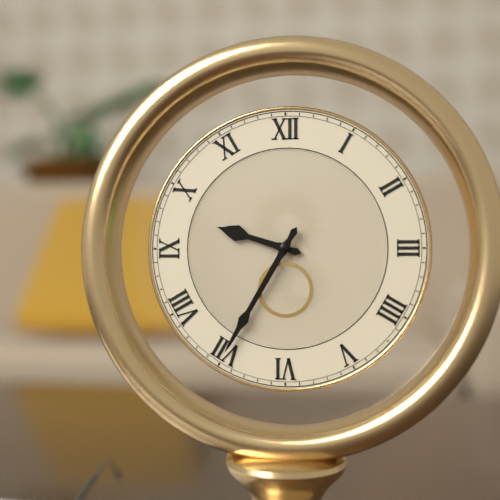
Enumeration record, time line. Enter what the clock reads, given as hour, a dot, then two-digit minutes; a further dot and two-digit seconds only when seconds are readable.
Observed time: 9.35
